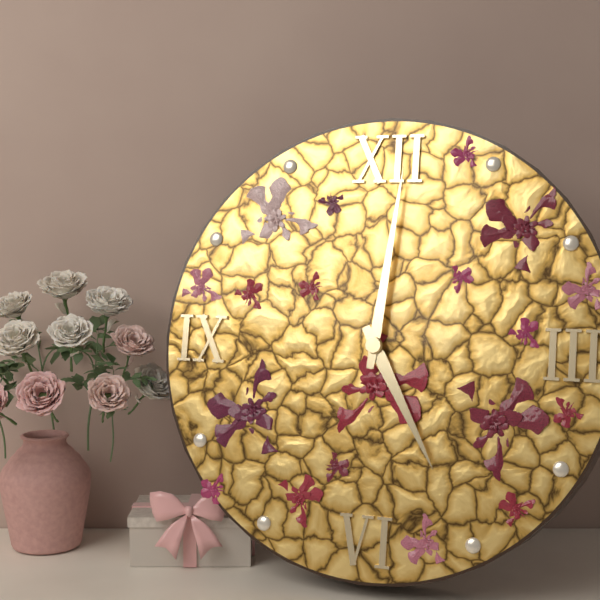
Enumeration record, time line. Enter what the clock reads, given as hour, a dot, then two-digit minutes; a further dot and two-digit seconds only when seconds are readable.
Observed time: 5.01
